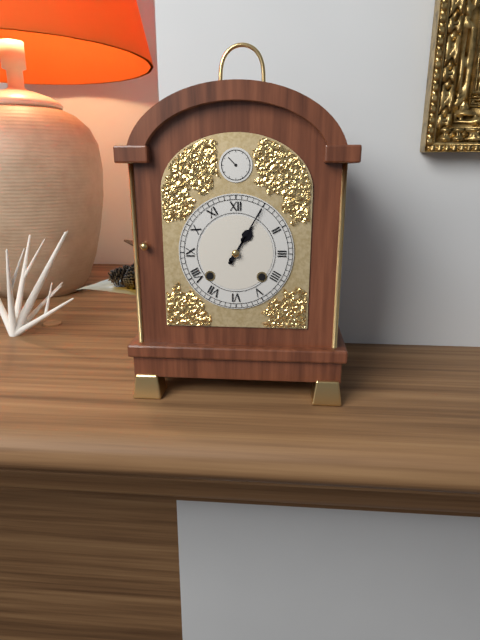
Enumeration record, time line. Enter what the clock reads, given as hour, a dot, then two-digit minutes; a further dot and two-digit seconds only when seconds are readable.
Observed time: 1.05
